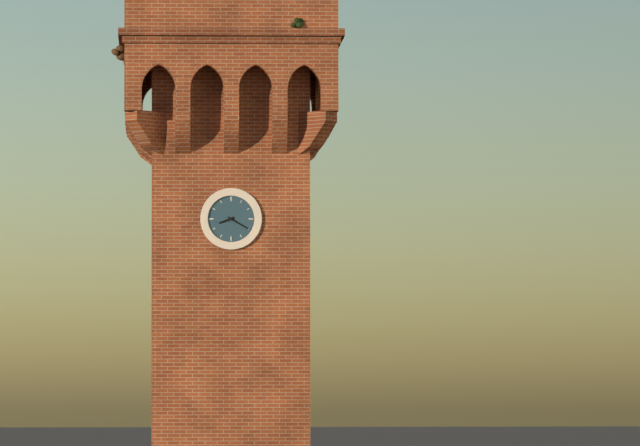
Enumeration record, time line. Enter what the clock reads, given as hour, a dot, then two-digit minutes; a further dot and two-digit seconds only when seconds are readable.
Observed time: 8.20
